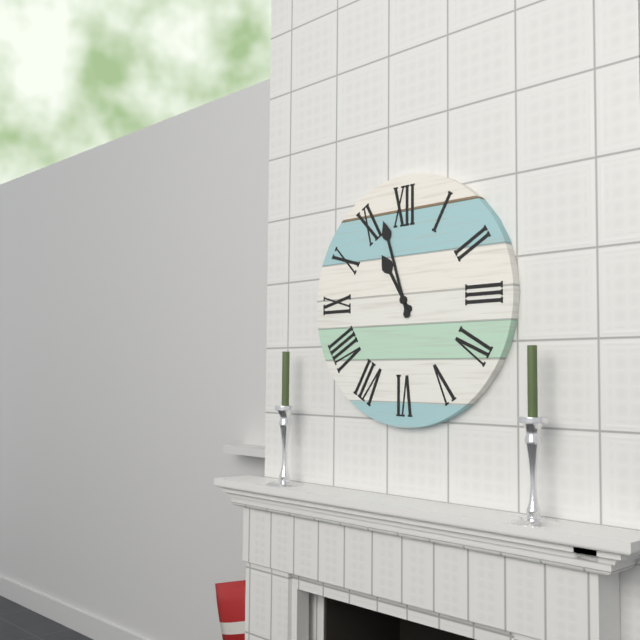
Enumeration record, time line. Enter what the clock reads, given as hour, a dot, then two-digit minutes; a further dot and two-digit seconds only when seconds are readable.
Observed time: 10.57
